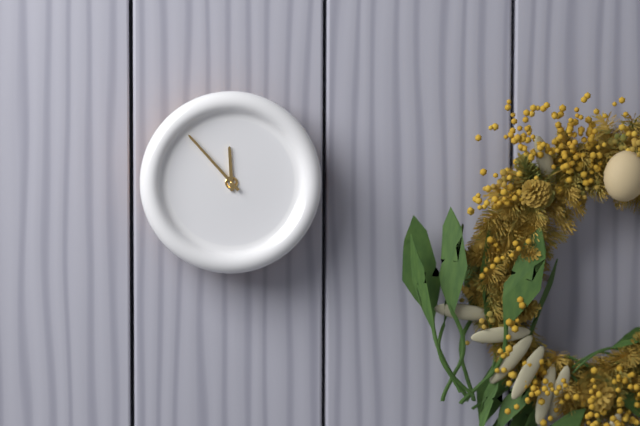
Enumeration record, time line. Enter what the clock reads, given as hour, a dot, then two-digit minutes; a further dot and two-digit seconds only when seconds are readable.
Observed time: 11.53
